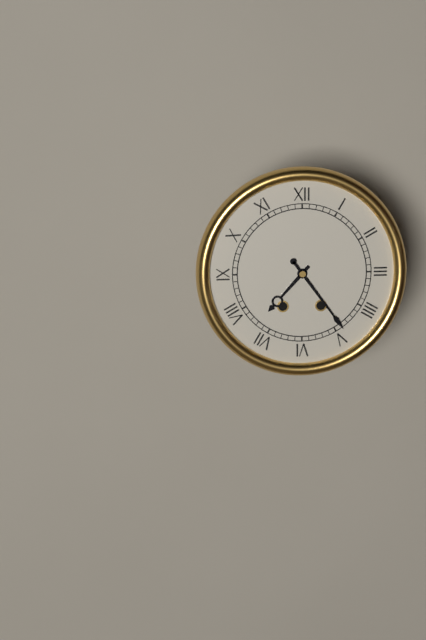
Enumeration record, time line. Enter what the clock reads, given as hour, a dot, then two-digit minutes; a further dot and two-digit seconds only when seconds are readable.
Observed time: 7.24
